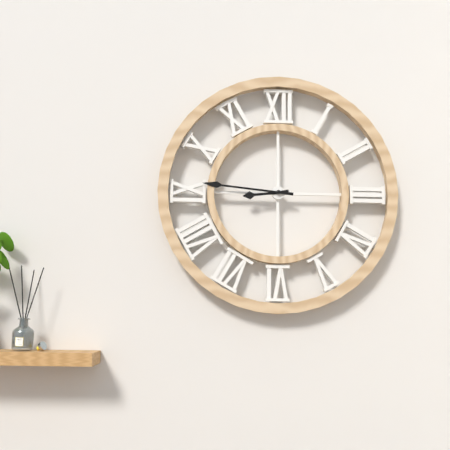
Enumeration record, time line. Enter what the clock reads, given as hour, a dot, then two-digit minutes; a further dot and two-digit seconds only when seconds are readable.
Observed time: 8.46
